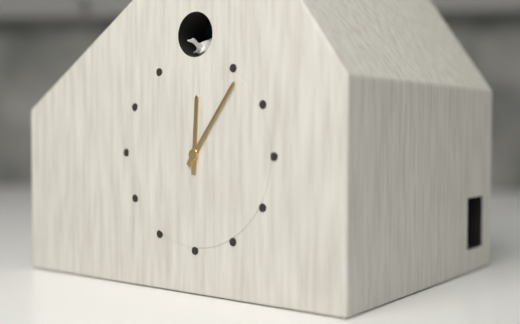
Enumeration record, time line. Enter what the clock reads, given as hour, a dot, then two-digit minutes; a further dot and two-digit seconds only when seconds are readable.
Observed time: 12.06
